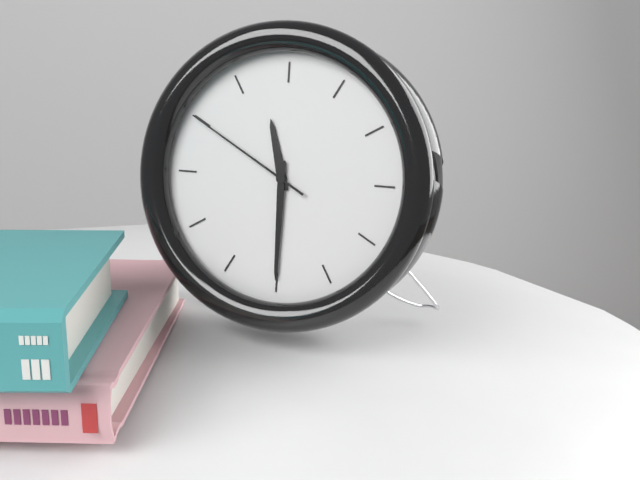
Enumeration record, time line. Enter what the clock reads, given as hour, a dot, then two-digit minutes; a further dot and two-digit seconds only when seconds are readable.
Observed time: 11.30.50
